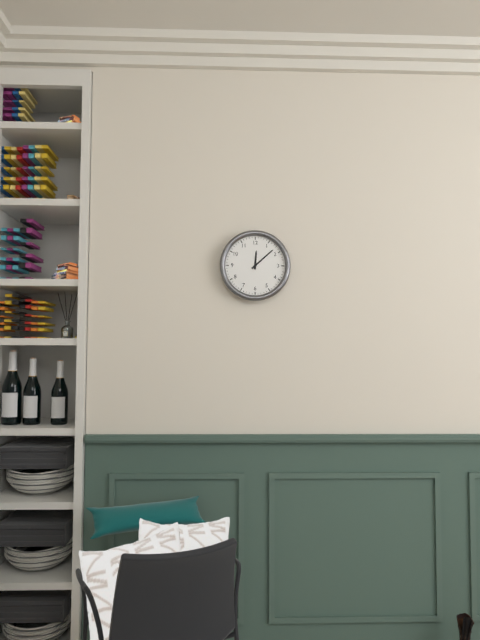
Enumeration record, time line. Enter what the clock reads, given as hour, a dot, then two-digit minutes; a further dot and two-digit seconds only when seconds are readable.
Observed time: 12.08
